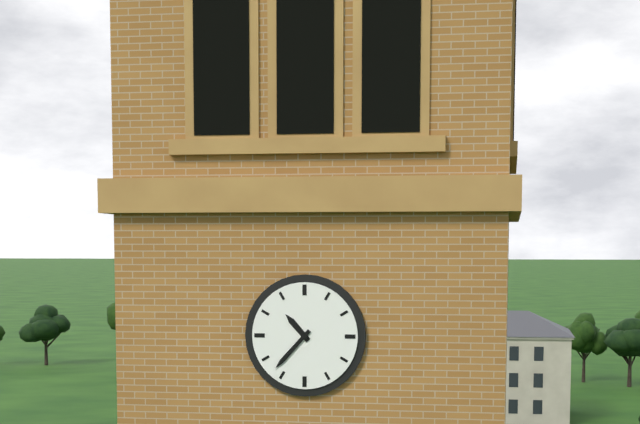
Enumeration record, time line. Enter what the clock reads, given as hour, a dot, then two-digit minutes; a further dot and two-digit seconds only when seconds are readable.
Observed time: 10.37
